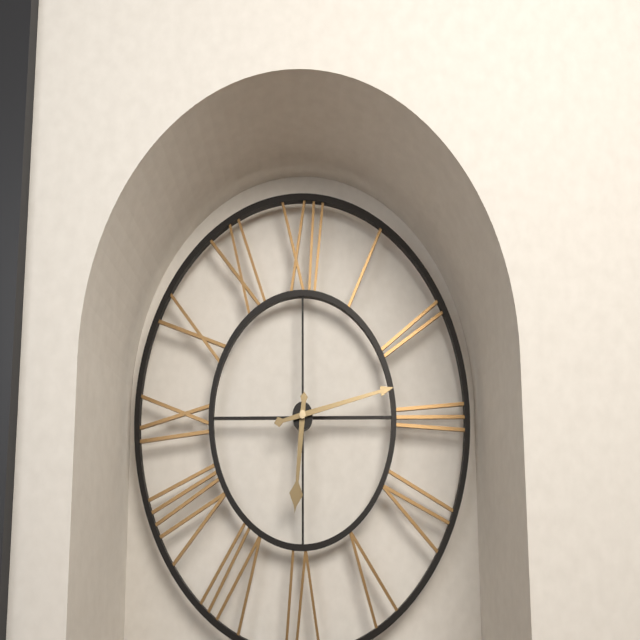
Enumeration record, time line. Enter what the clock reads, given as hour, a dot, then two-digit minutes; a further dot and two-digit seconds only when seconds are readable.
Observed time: 6.13
